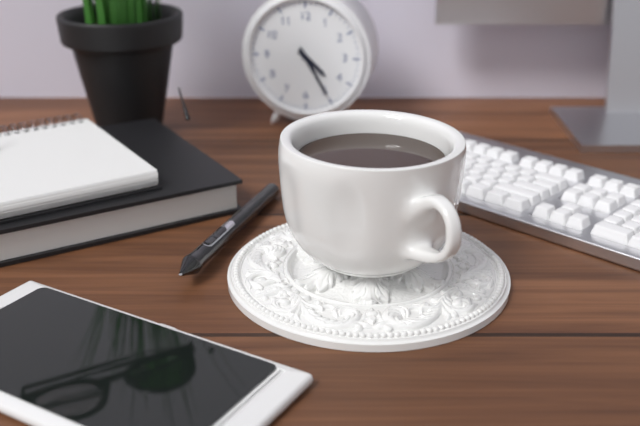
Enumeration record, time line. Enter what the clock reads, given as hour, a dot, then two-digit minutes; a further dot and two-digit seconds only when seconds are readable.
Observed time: 4.25
